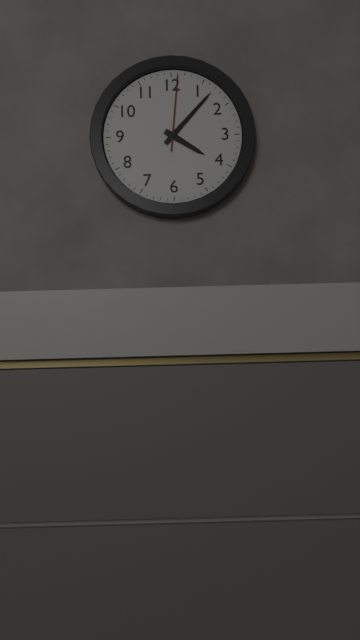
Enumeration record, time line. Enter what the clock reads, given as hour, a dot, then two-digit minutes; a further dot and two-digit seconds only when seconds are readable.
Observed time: 4.07.01
